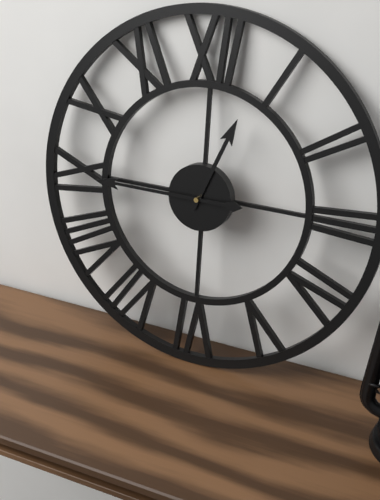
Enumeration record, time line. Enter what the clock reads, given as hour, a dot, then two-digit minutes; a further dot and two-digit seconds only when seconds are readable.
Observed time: 12.45
